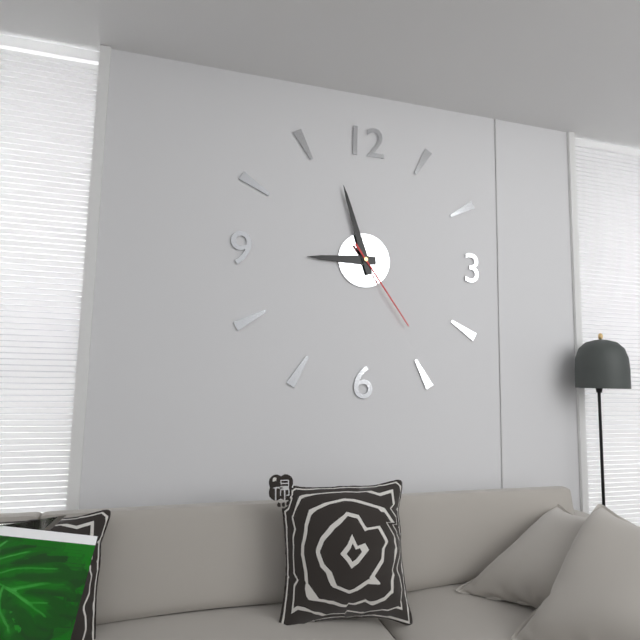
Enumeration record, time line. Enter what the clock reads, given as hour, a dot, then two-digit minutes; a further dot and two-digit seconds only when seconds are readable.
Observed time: 8.57.24
